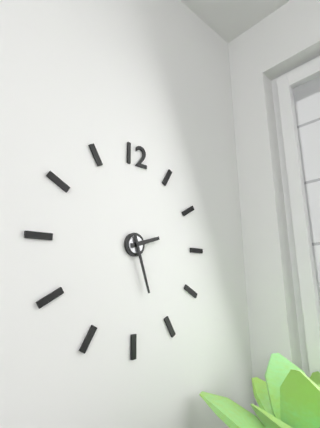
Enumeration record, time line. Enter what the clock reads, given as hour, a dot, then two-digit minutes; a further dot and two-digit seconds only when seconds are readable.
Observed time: 2.27
